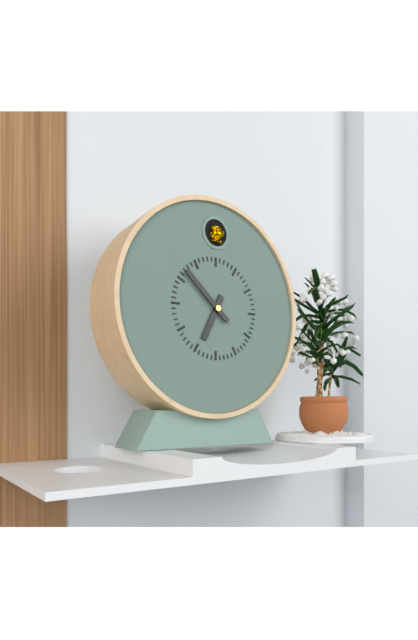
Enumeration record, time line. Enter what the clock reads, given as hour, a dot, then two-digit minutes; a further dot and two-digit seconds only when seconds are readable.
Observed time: 6.52
